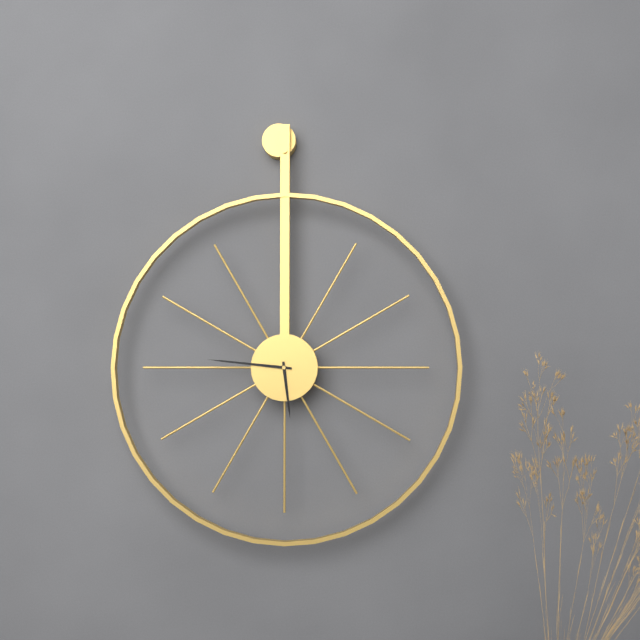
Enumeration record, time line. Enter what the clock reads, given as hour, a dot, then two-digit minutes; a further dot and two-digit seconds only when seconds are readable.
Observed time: 5.46
